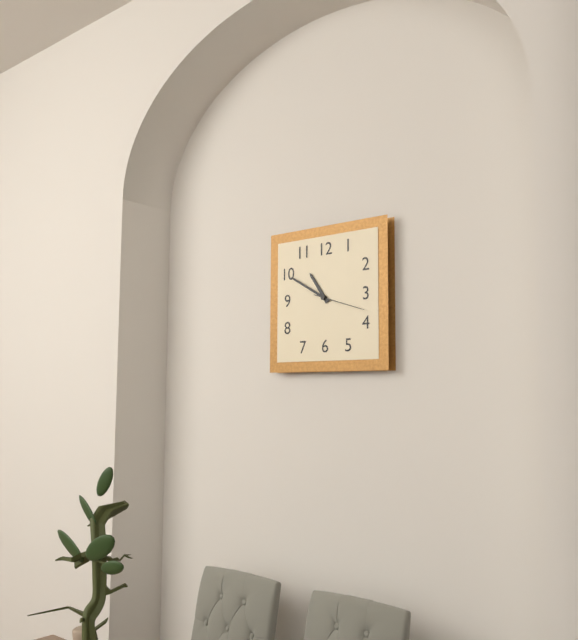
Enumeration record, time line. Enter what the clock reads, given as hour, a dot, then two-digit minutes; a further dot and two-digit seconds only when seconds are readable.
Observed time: 10.50.18
